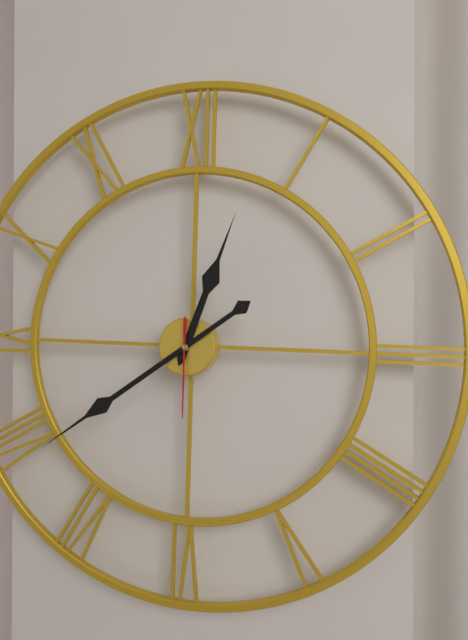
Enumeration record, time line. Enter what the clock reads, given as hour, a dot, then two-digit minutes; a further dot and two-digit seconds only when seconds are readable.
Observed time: 12.39.30
